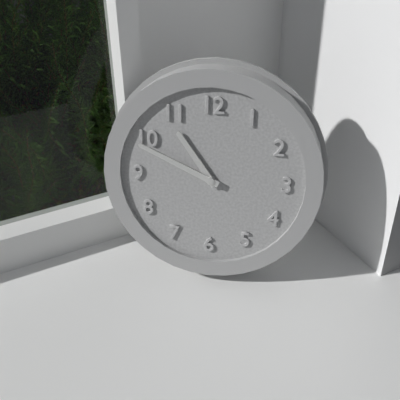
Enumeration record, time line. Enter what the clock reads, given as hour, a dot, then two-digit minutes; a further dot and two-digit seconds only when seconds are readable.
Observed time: 10.49
